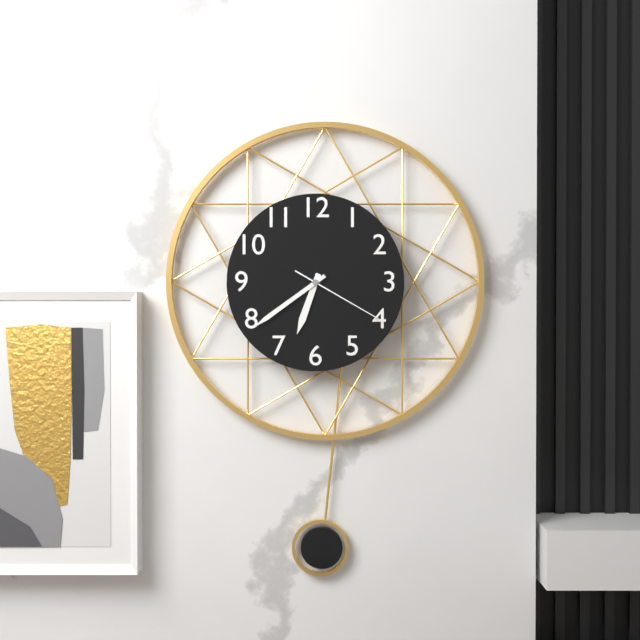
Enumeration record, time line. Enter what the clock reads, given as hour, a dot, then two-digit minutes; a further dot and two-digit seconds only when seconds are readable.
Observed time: 6.39.20
